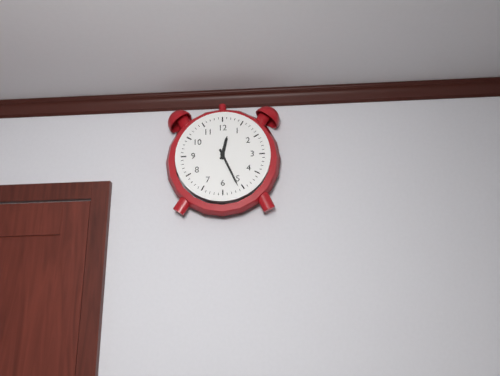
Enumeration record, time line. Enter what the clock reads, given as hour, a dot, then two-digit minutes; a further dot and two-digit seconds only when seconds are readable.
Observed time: 12.26
